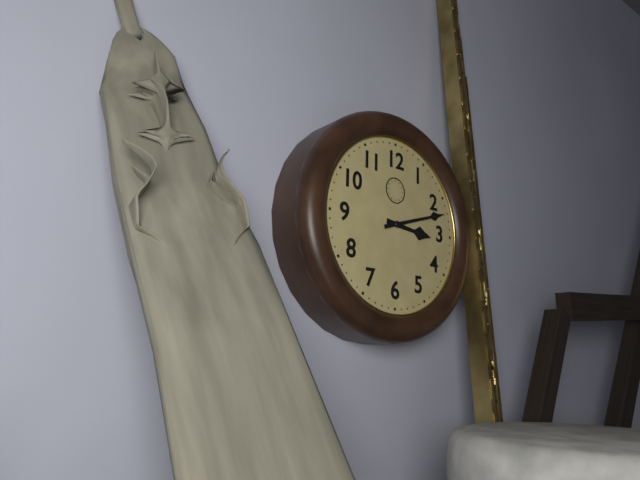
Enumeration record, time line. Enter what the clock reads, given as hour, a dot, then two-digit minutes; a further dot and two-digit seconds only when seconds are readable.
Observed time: 3.12
